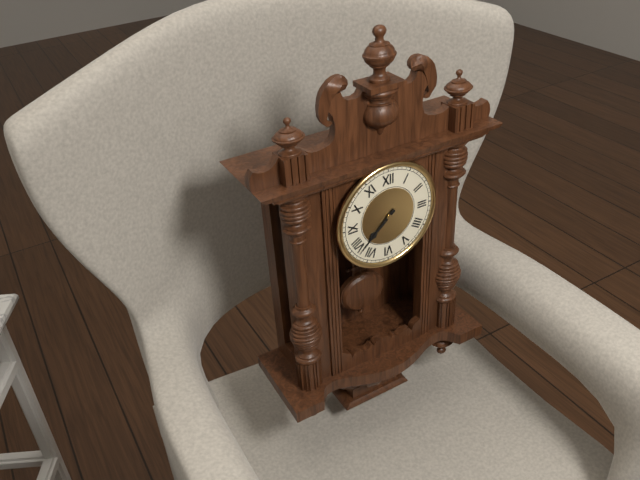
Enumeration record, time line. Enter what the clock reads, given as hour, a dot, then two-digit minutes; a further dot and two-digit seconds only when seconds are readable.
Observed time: 7.38
